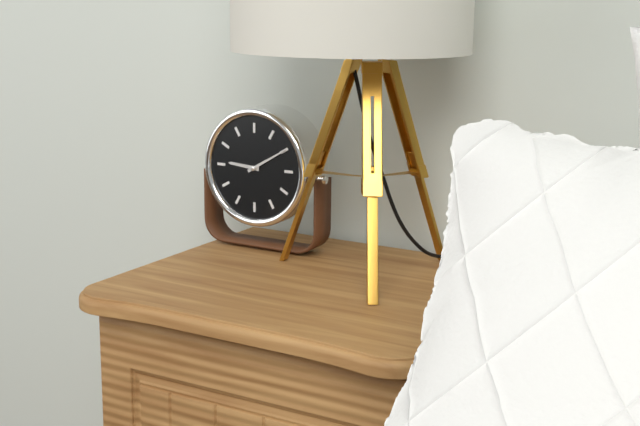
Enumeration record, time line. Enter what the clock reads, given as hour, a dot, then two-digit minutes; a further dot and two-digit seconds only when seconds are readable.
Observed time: 9.10
